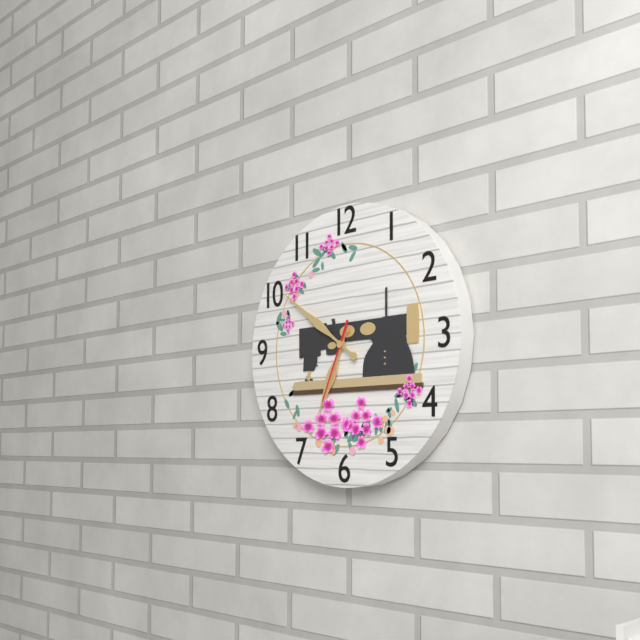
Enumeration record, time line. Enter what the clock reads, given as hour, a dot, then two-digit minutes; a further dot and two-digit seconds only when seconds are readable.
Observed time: 6.51.34
